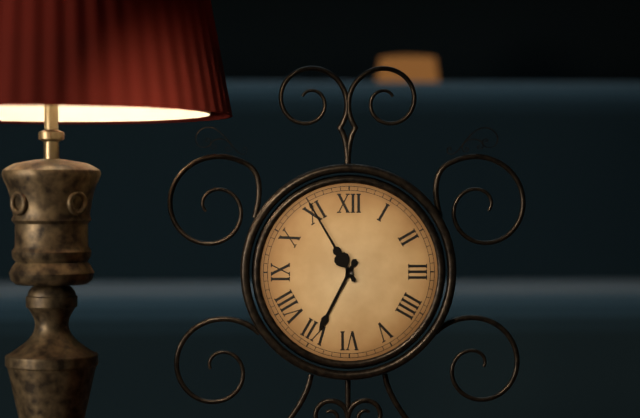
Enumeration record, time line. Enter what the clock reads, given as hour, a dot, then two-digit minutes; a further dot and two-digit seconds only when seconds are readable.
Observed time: 6.55
